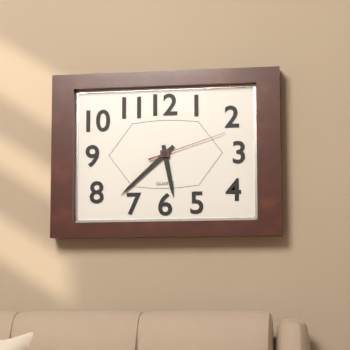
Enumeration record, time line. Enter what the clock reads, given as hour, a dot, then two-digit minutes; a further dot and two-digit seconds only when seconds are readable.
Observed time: 5.38.12
